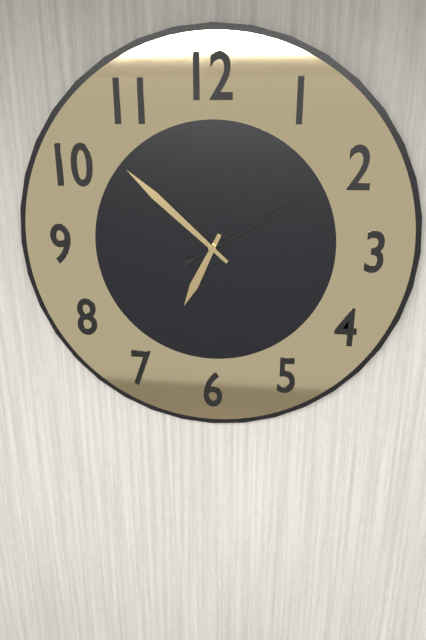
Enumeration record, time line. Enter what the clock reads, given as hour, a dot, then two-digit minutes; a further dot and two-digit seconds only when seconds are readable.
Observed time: 6.52.10
